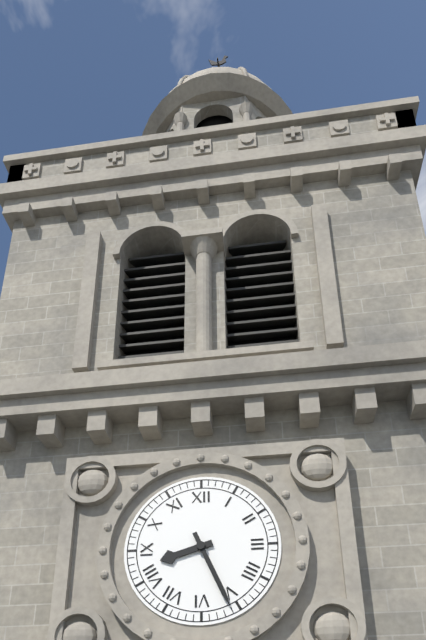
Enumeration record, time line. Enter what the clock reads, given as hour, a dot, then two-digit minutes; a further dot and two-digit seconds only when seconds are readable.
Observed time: 8.26
